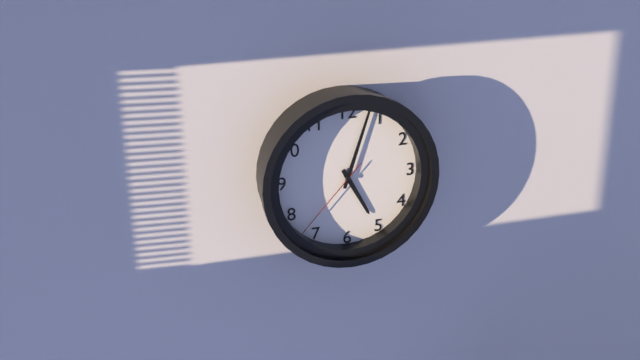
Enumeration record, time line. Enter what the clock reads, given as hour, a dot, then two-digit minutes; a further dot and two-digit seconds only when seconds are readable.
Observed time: 5.03.37
